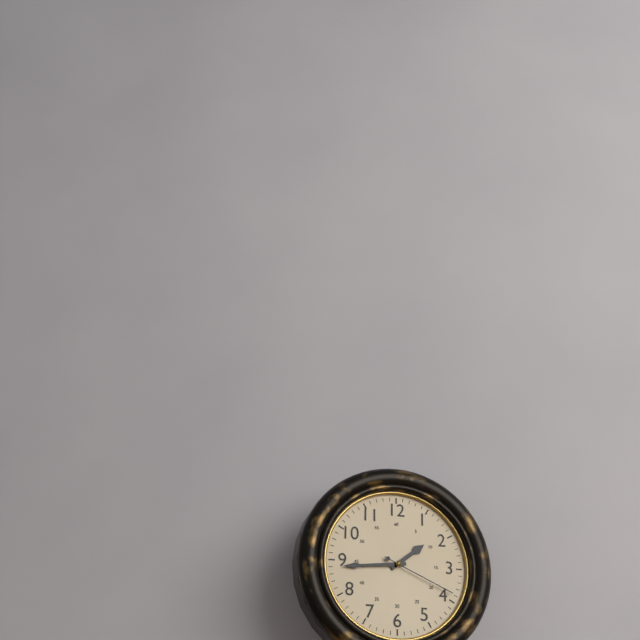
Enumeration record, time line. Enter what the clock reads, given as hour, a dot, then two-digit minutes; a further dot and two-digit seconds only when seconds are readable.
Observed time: 1.44.19
